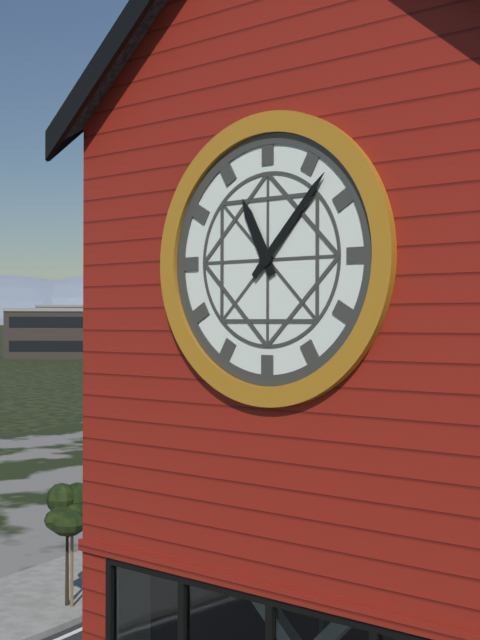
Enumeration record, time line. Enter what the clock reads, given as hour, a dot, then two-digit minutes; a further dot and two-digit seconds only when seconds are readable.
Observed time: 11.07
